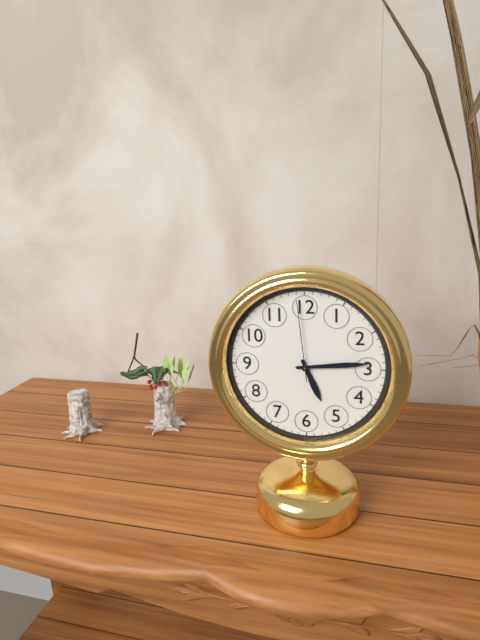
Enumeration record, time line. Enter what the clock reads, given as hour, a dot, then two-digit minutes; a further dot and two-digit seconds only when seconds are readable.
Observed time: 5.14.59
